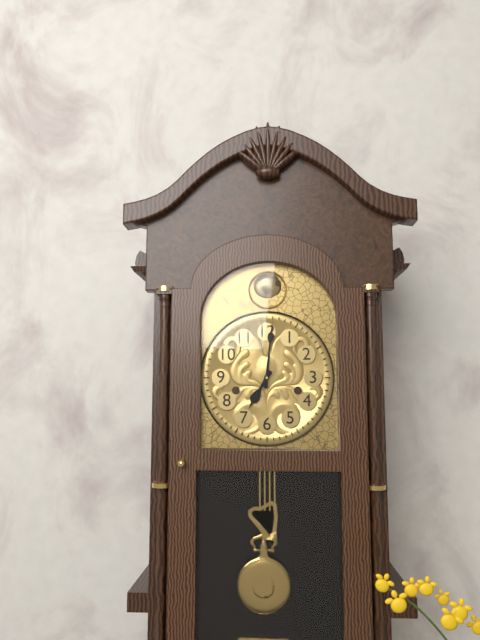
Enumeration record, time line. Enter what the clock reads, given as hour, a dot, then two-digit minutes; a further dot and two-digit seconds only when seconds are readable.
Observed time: 7.01
